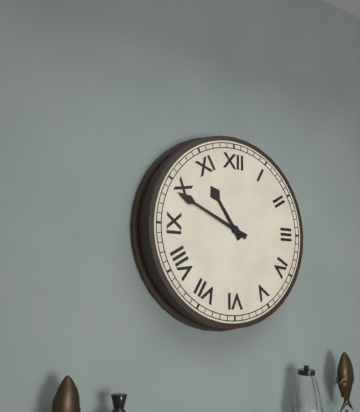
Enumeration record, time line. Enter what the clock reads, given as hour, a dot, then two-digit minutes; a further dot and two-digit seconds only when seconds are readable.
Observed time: 10.49
